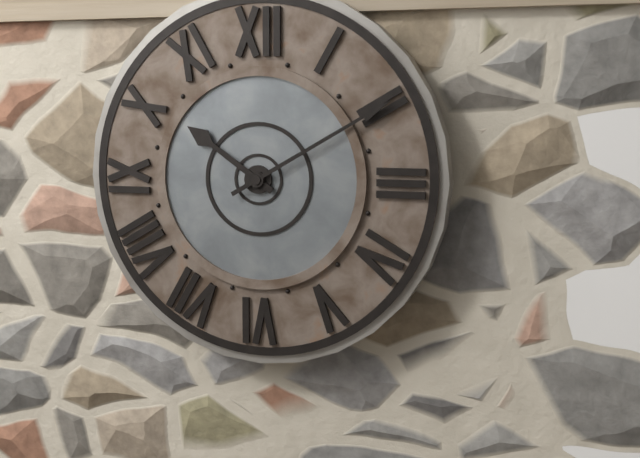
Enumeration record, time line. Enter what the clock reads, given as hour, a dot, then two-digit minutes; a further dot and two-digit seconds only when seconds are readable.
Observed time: 10.10
